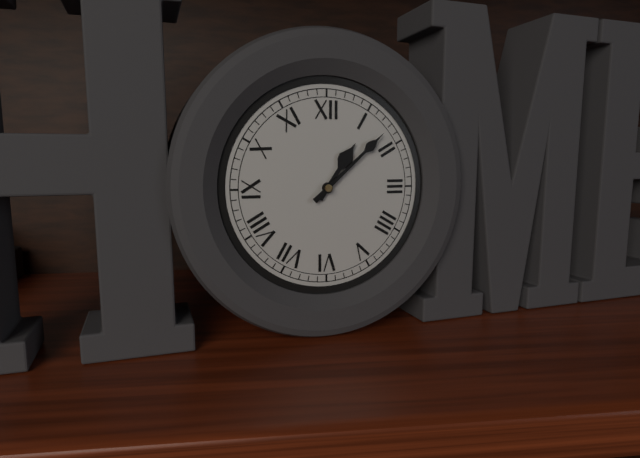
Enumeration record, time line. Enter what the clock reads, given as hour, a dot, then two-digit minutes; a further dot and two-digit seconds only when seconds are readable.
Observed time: 1.08
